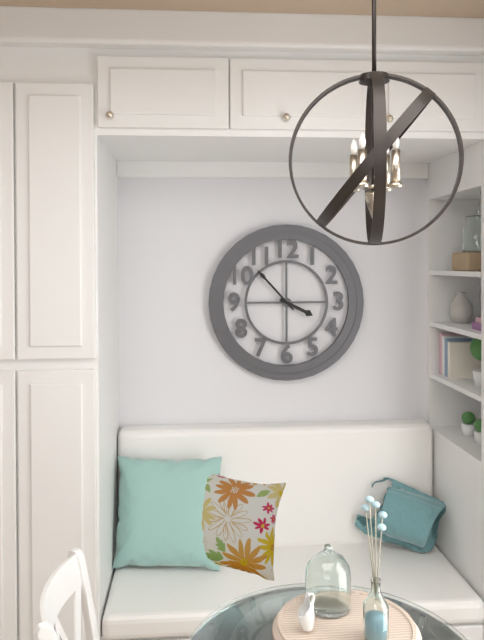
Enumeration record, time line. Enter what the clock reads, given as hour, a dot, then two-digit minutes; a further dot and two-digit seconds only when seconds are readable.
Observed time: 3.53
